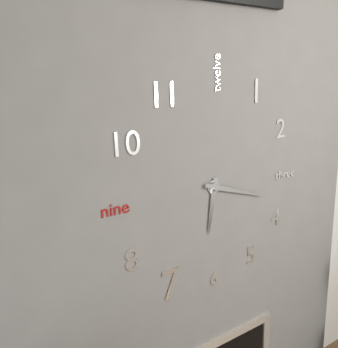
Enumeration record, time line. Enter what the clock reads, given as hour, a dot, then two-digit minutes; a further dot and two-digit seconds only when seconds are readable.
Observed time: 6.18
